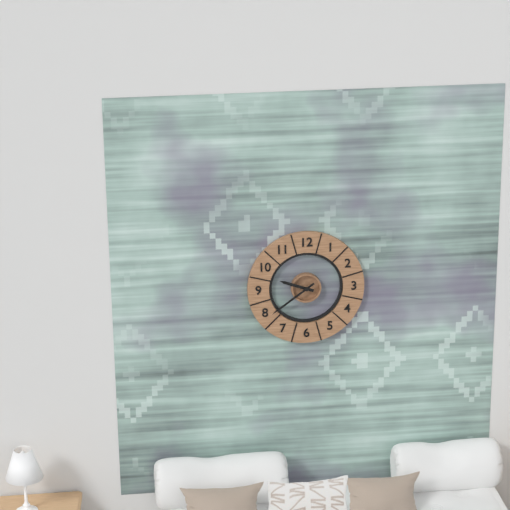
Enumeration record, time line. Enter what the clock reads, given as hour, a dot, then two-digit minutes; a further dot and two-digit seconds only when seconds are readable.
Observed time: 9.39
